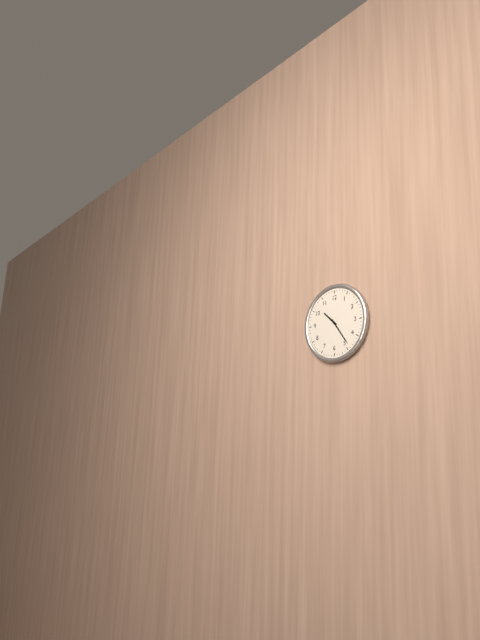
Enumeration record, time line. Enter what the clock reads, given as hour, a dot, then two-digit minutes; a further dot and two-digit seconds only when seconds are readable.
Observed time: 10.24
